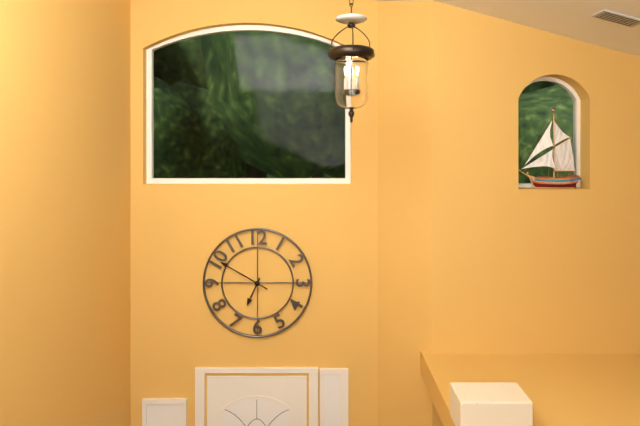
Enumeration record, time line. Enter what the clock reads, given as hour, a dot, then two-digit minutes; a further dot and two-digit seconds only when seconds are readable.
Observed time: 6.50
